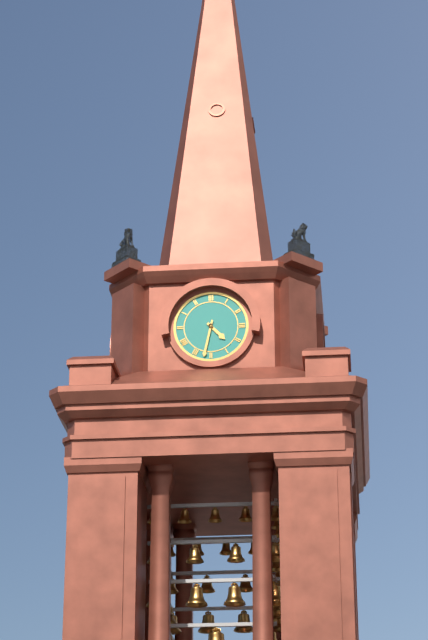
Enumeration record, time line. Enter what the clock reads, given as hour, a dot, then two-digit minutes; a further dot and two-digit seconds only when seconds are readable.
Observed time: 4.32
